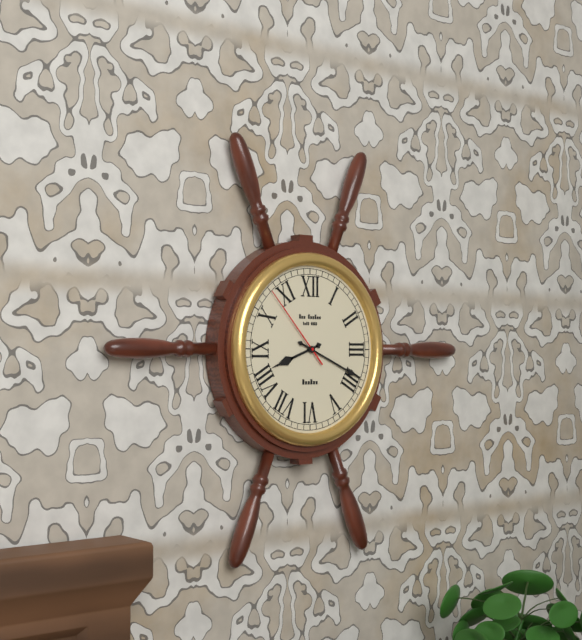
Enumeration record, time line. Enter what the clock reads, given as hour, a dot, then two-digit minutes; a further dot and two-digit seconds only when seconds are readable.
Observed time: 8.19.53
